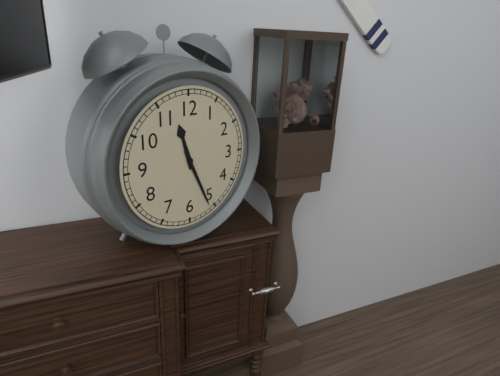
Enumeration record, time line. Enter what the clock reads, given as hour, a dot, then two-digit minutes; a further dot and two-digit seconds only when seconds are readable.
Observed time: 11.26
